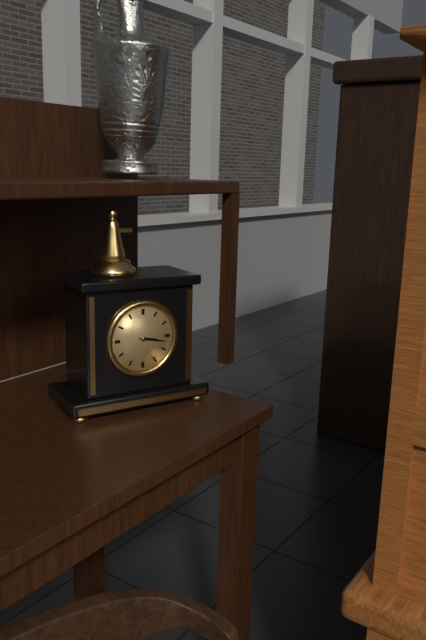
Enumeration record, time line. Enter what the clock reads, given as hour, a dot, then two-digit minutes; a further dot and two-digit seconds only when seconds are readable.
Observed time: 3.17
